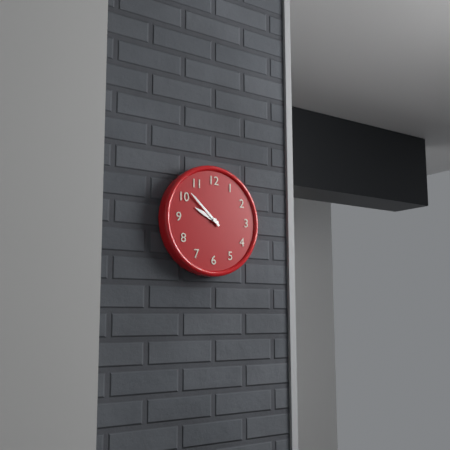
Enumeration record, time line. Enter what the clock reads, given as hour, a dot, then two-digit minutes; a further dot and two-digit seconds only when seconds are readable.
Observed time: 9.52
